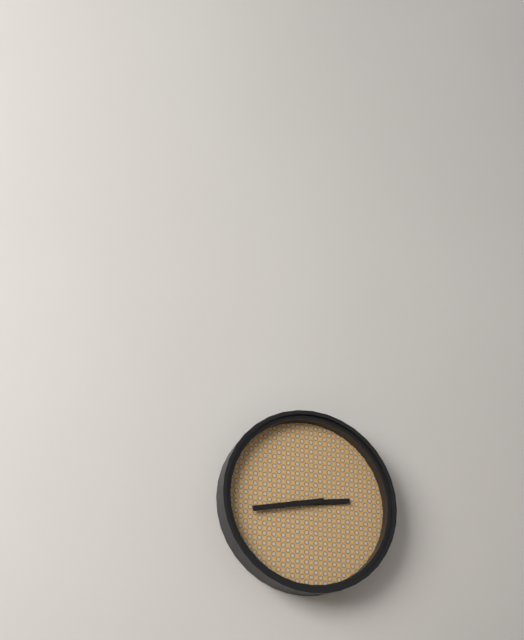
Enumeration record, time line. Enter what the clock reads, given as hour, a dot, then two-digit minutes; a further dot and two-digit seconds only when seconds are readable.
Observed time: 2.43
